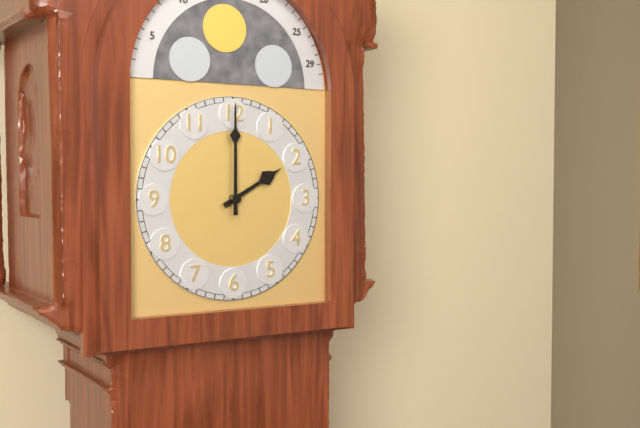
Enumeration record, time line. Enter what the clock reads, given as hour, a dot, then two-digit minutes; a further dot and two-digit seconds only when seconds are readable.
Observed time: 2.00
